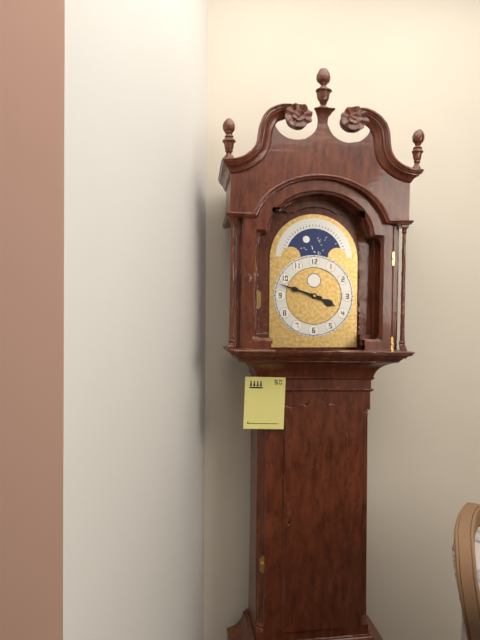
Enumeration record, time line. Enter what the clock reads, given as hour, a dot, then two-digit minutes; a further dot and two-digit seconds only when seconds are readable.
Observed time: 3.48
